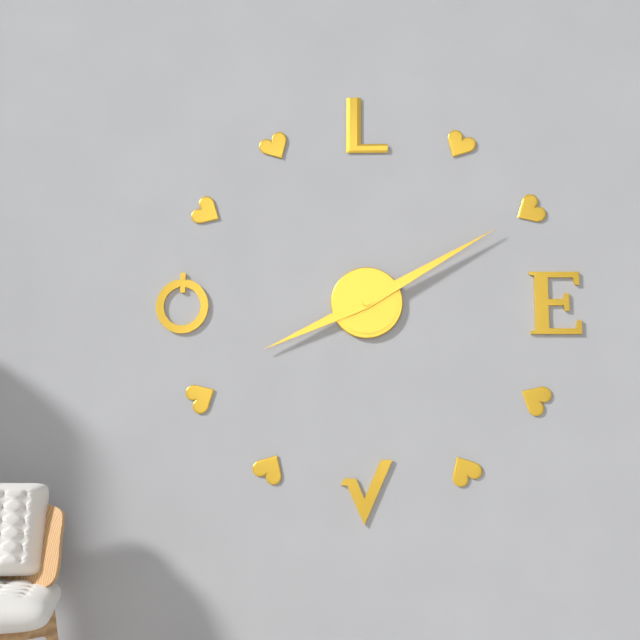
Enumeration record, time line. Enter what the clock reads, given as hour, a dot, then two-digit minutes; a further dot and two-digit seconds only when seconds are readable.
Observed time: 8.10
